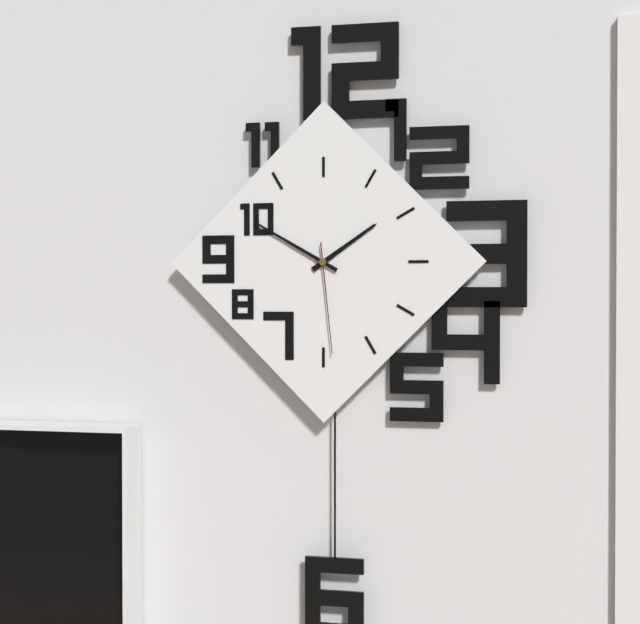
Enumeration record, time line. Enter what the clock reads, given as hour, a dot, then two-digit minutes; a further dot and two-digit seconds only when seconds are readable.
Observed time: 1.50.29
